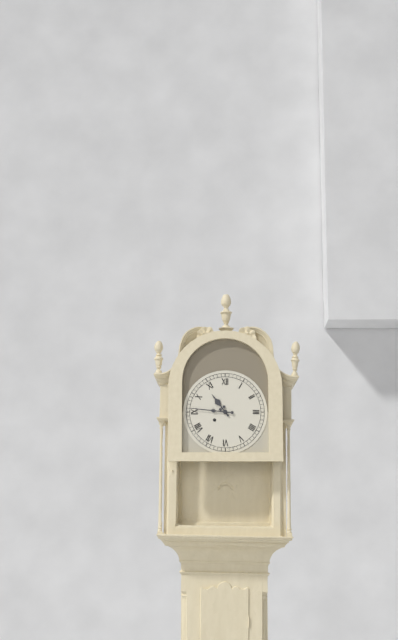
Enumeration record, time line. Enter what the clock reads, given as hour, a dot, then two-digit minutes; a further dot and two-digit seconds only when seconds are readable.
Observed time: 10.46
